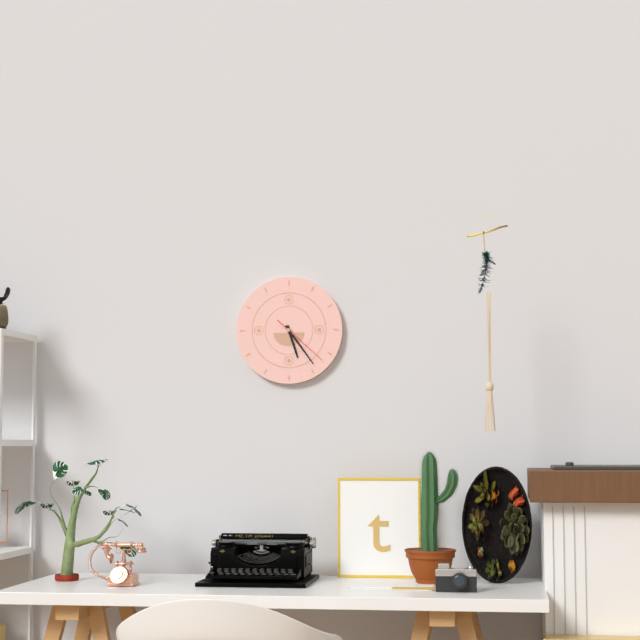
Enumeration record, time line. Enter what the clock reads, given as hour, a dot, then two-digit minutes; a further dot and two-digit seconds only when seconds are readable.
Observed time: 5.24.22
